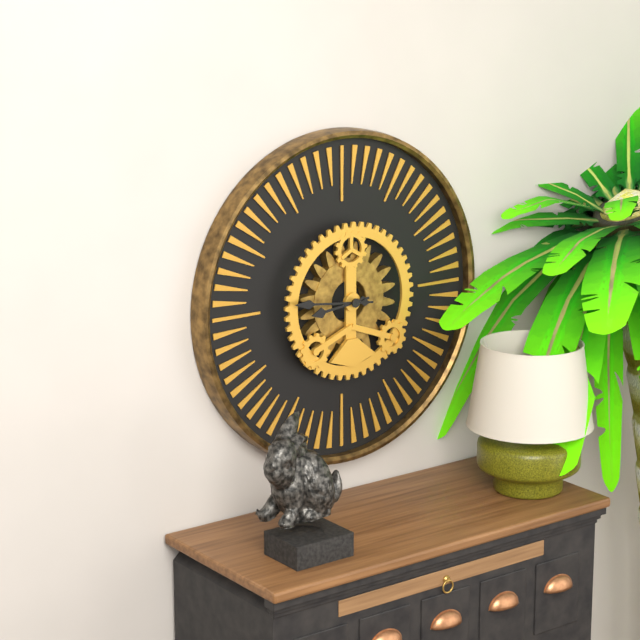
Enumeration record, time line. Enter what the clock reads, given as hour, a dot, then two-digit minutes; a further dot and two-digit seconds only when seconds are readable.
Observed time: 8.46
